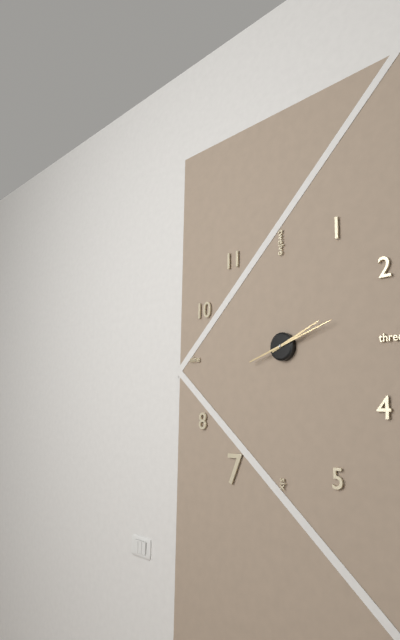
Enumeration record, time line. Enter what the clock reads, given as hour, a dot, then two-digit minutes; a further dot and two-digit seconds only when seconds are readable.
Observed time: 2.12
